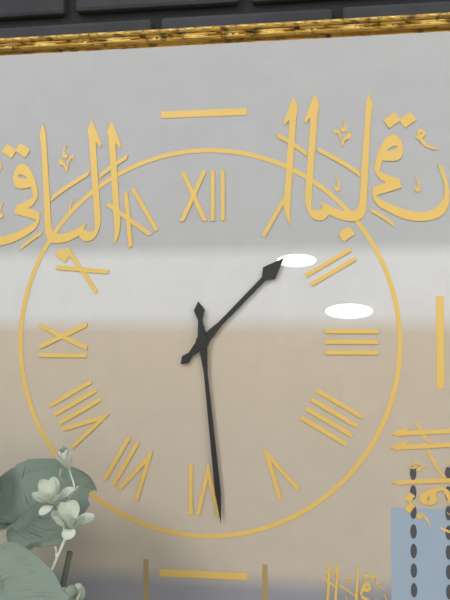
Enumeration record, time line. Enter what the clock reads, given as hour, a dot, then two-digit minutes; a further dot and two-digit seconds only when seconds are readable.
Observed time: 1.29
